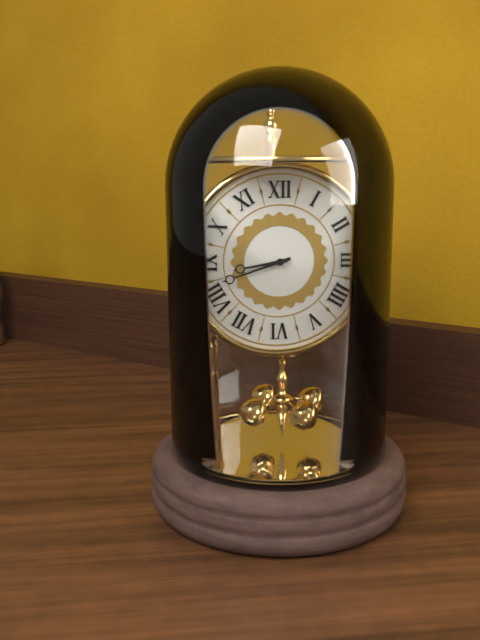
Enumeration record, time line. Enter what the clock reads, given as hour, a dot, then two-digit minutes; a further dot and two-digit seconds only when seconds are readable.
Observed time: 8.42
